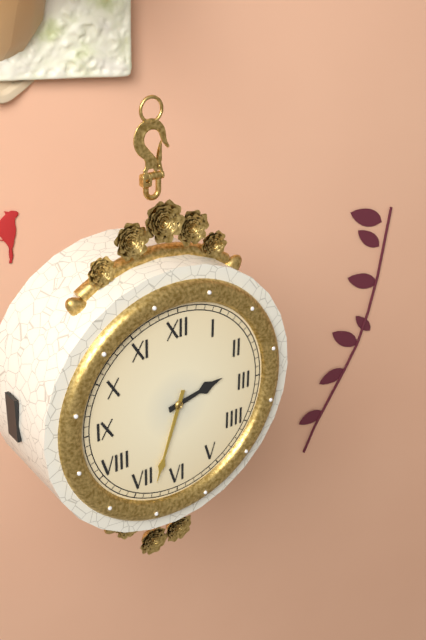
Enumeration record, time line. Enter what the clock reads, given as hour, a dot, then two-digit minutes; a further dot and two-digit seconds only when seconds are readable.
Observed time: 2.33
